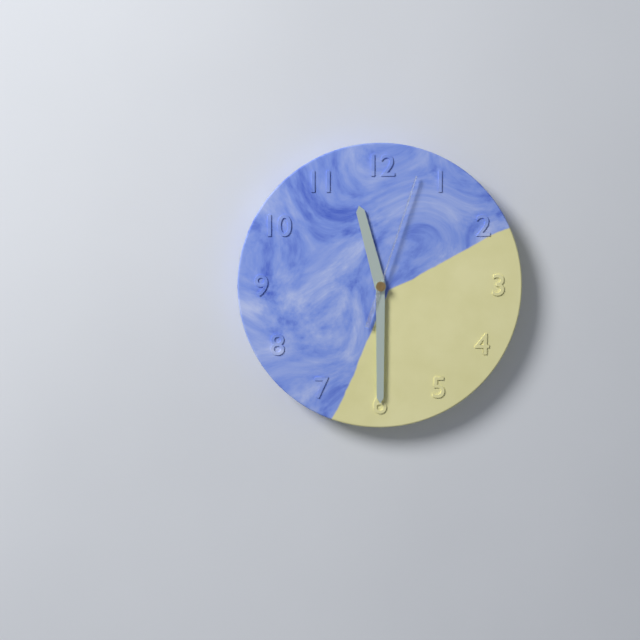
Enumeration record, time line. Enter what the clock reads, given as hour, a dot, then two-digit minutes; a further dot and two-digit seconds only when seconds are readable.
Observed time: 11.30.03
